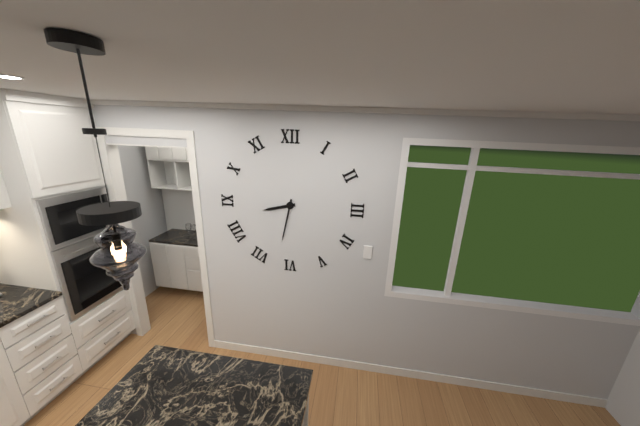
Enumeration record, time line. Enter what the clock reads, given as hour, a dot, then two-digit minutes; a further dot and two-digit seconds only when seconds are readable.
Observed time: 8.32
